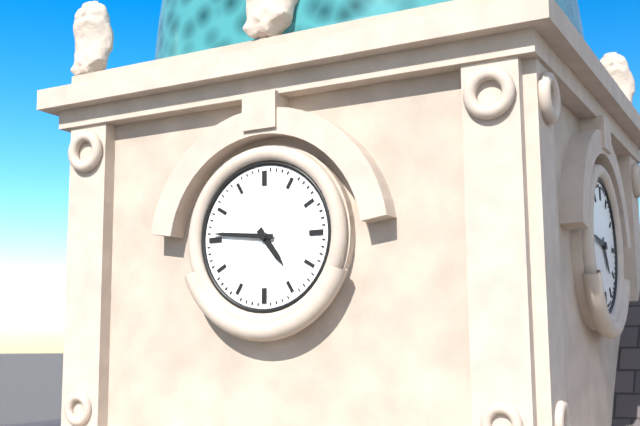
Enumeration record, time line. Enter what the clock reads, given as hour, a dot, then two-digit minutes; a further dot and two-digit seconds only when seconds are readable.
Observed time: 4.46
